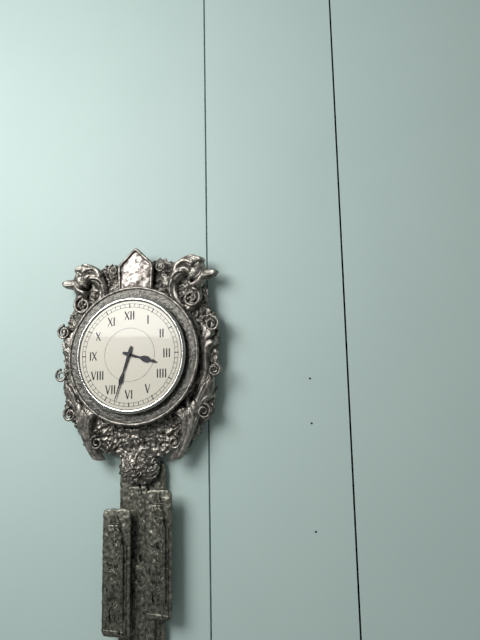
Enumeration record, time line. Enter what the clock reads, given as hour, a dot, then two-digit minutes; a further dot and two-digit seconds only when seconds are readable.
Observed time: 3.33
